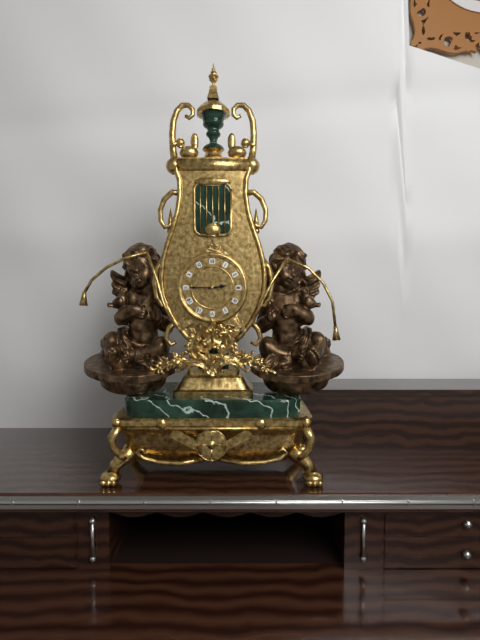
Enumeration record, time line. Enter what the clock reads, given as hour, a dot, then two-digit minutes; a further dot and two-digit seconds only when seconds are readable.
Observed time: 2.45
